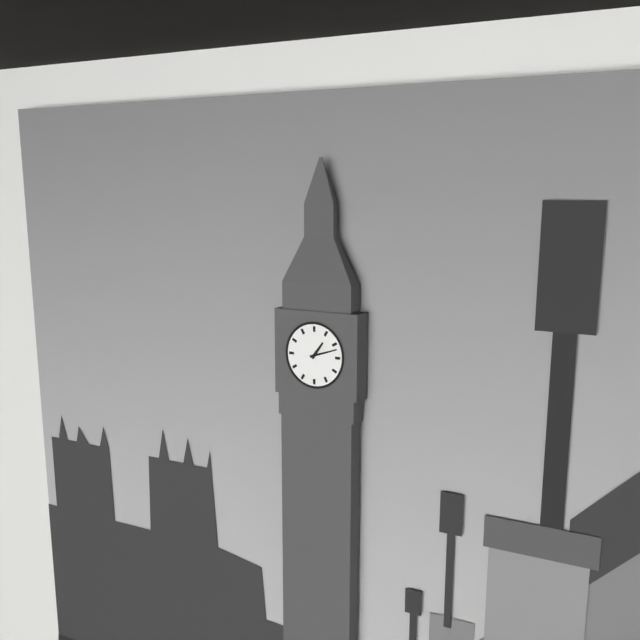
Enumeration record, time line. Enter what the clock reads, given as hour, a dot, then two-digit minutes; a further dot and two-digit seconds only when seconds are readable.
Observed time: 1.12
